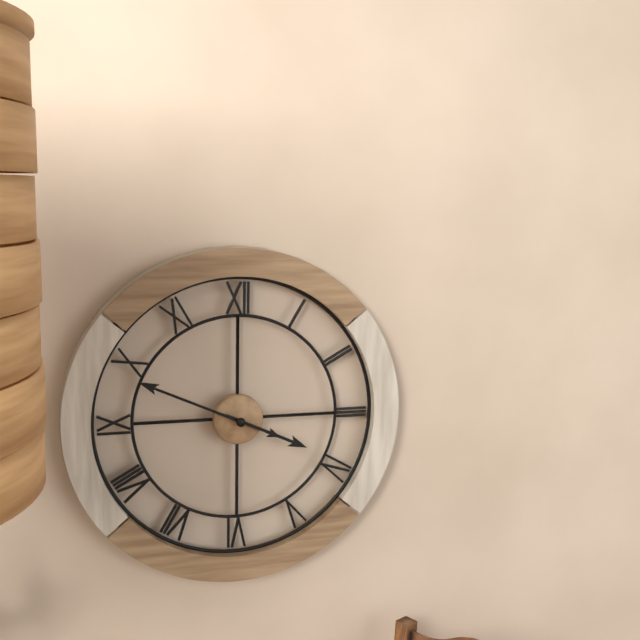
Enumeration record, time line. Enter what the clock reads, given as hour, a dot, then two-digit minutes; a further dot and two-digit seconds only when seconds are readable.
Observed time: 3.49
